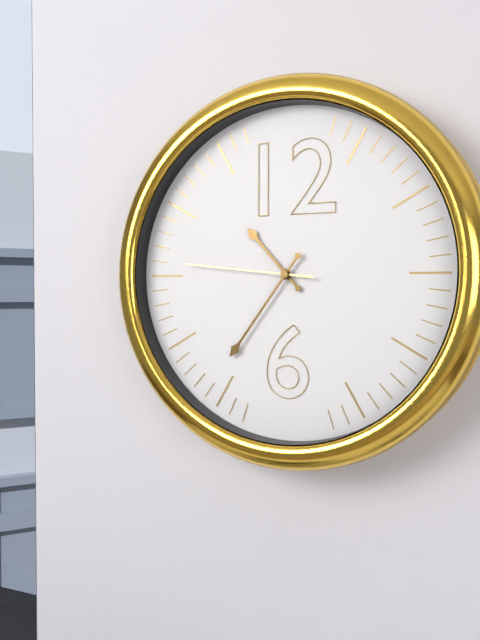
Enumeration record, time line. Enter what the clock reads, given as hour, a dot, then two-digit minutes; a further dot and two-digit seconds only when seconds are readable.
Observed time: 10.36.46
